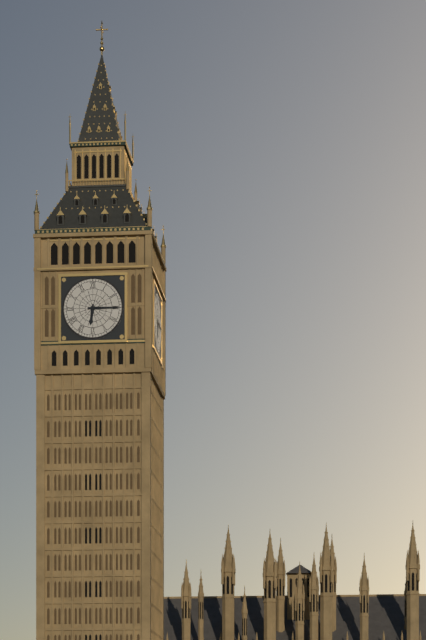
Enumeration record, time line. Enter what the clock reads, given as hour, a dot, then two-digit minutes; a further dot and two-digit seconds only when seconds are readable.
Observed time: 6.15
